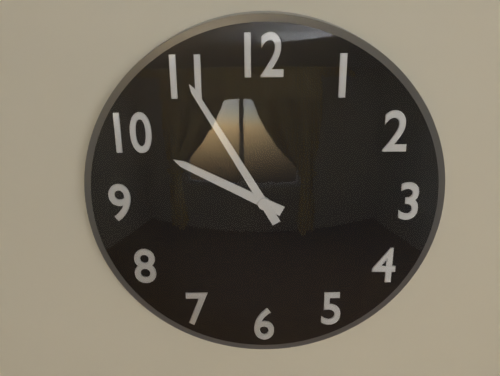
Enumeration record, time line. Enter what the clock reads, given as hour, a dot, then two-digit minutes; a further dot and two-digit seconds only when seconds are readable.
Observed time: 9.55
